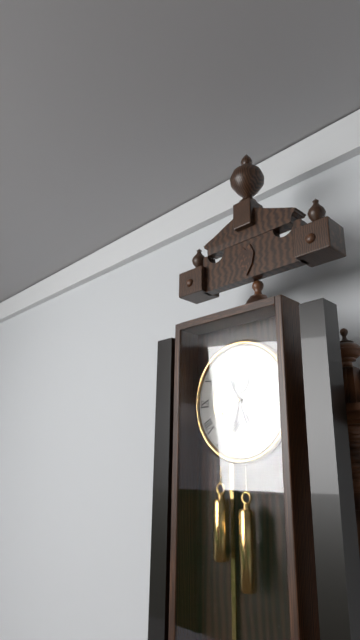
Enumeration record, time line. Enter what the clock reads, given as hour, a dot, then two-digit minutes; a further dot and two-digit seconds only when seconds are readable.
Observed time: 6.26
